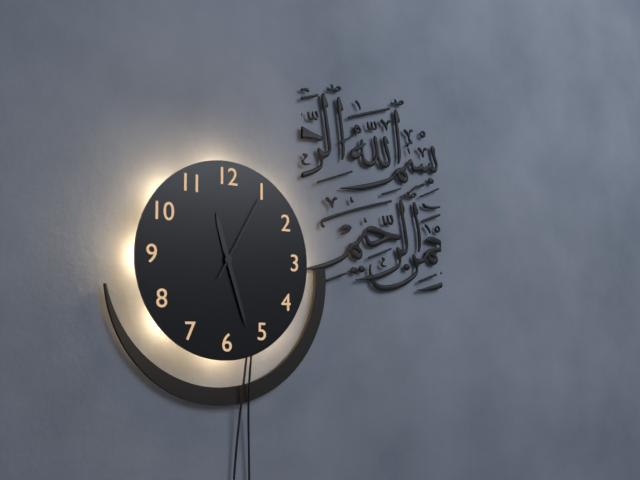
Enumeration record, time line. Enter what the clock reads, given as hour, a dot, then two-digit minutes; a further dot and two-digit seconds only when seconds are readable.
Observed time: 11.27.05
